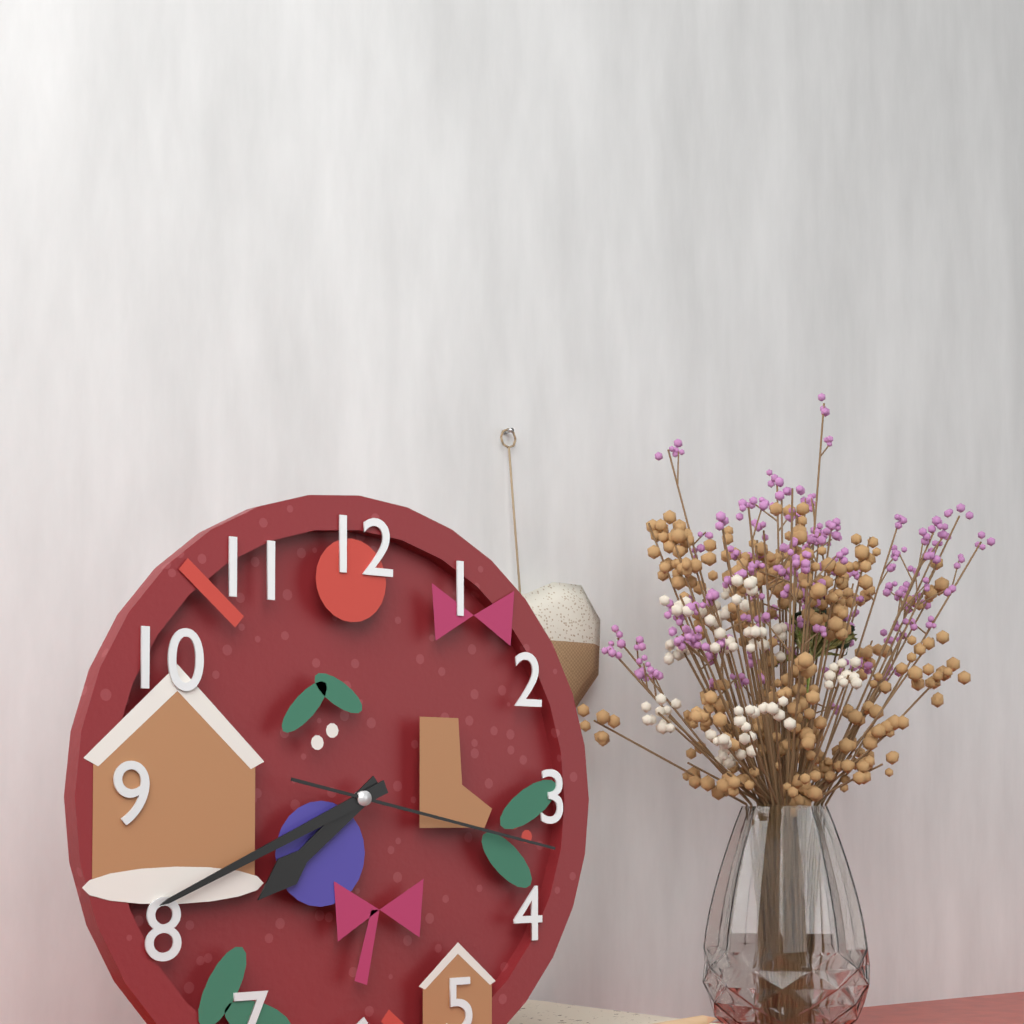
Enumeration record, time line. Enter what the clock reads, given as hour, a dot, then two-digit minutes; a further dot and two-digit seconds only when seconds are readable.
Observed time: 7.41.17
